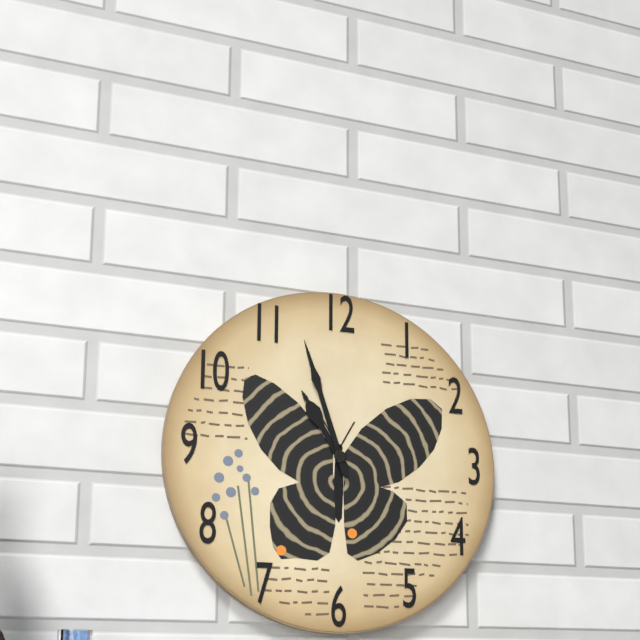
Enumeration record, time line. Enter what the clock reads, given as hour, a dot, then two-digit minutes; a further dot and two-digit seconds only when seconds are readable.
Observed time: 10.57
